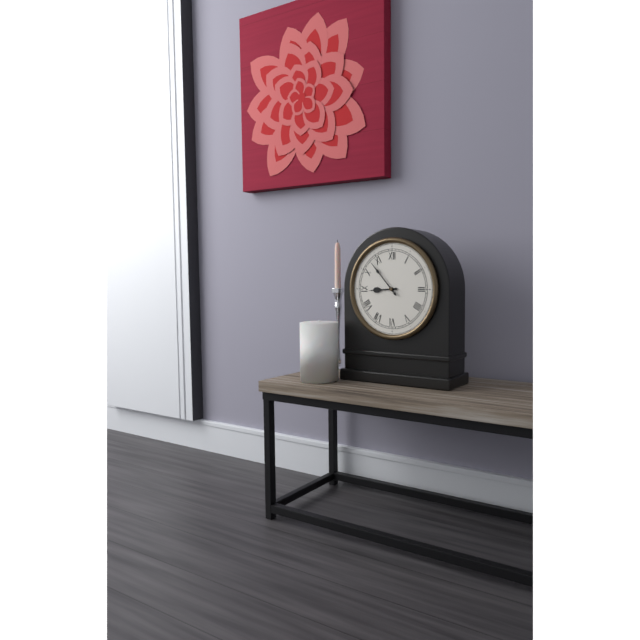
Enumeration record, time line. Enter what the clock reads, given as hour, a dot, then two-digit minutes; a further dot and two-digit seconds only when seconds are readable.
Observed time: 8.53
